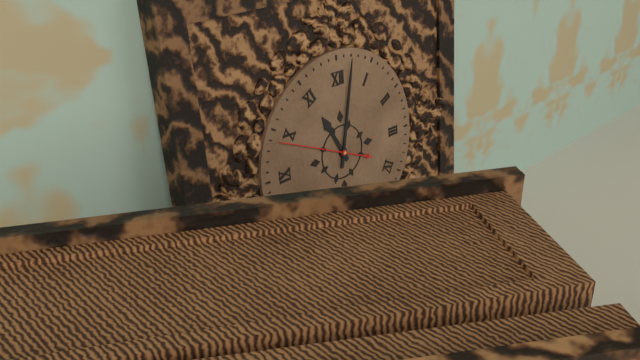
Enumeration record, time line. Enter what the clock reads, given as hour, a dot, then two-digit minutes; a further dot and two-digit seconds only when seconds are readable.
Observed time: 11.02.49
